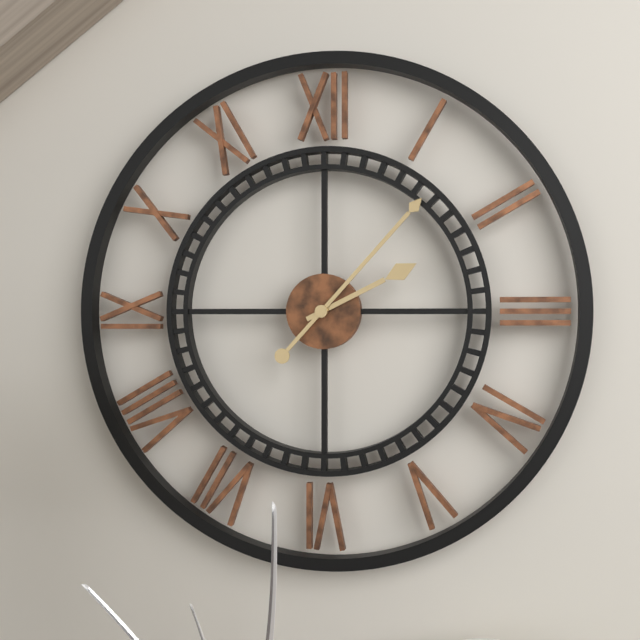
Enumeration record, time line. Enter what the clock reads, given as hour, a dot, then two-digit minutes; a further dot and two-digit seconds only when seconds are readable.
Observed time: 2.07
